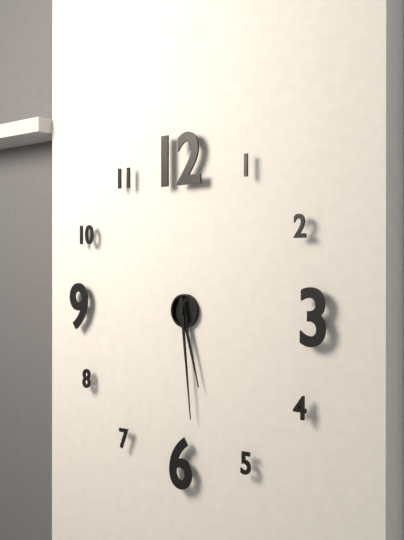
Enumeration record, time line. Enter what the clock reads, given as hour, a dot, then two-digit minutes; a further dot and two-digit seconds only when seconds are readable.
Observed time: 5.29
